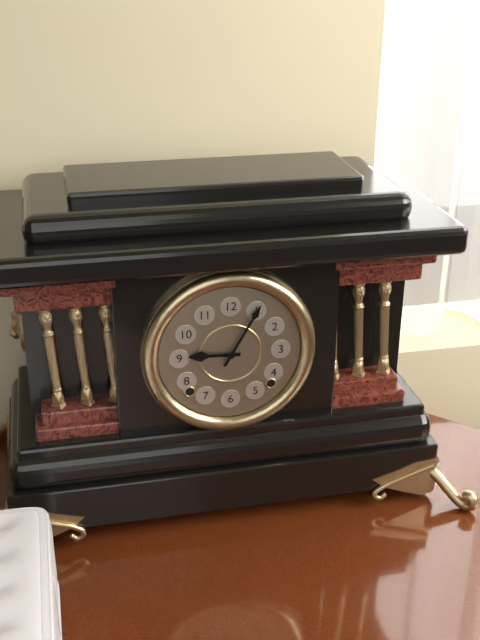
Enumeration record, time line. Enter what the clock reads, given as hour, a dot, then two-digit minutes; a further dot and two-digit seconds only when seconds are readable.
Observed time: 9.05
